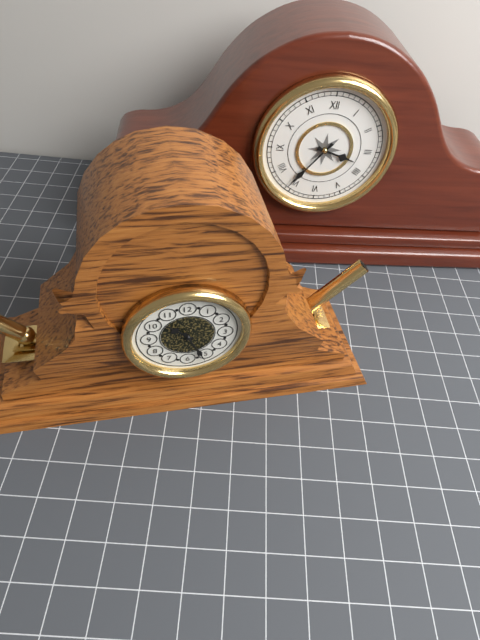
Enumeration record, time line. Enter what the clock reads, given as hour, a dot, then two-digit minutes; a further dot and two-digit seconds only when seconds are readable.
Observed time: 10.26
